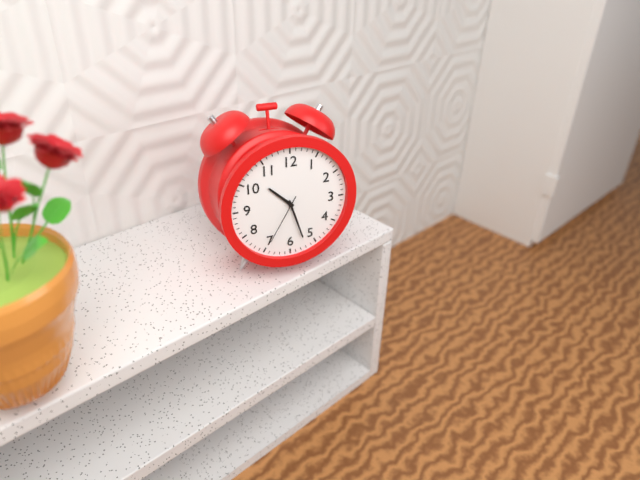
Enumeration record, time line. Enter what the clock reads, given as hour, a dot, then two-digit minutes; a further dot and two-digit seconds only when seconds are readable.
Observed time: 10.27.35
